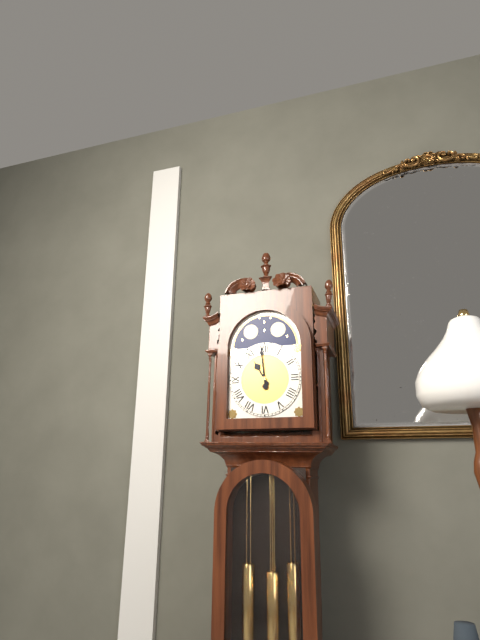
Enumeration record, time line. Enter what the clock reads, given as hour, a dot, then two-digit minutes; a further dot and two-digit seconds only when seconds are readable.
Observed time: 10.59
